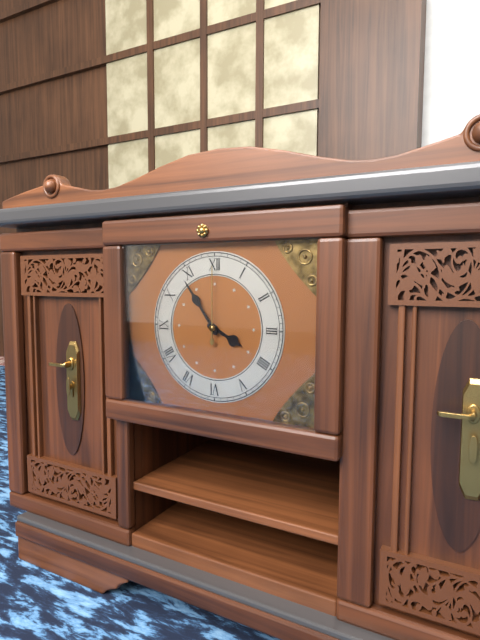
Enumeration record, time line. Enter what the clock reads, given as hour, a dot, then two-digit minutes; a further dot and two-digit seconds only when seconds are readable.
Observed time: 3.54.00
